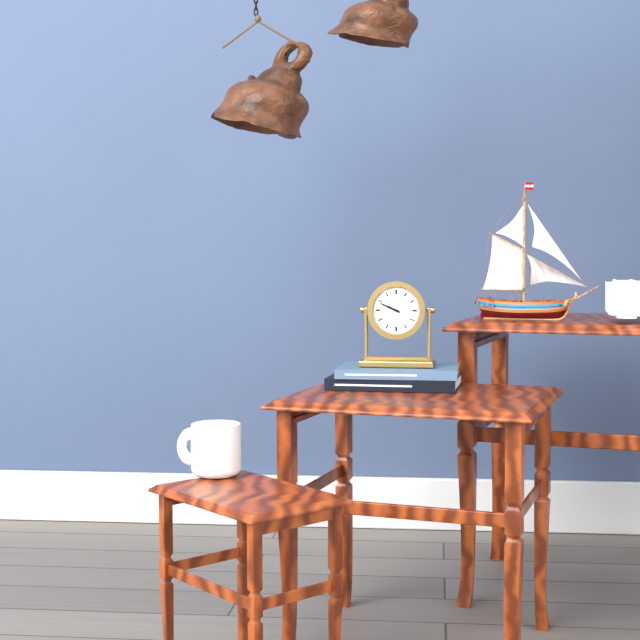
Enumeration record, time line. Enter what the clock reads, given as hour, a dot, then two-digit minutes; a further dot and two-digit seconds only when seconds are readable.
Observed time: 9.49
